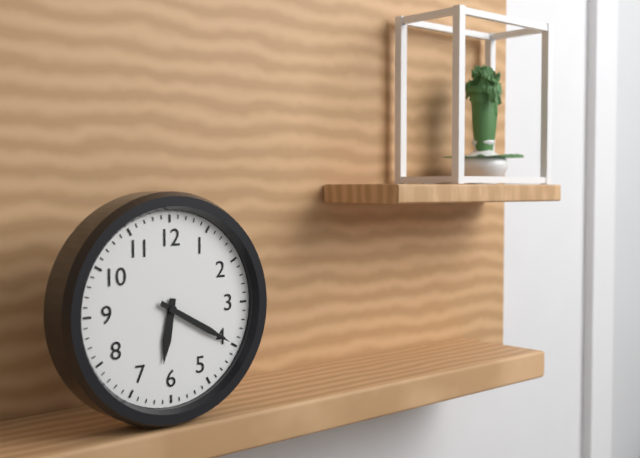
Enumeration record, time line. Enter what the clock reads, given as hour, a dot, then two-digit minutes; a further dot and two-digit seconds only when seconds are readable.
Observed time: 6.20
